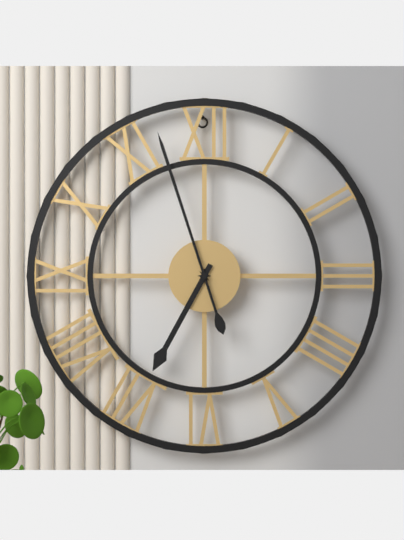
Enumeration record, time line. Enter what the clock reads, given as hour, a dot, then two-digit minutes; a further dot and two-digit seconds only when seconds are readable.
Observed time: 6.57
